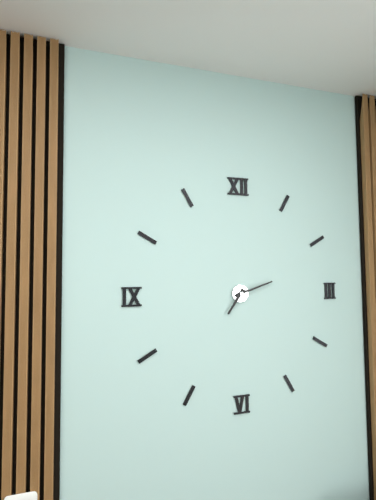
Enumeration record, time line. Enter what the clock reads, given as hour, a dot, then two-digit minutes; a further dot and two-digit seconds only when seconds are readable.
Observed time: 7.12
